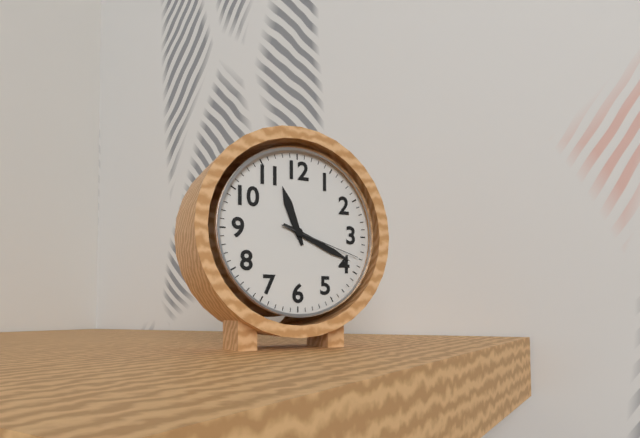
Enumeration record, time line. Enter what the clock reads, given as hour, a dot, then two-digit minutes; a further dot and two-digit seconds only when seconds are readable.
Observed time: 11.19.18
